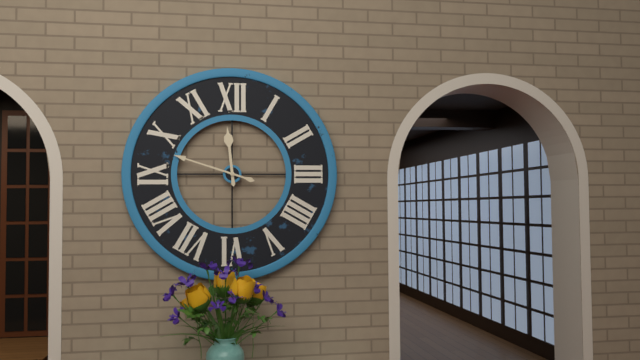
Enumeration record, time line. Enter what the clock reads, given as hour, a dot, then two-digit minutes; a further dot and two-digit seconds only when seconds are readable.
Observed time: 11.48
